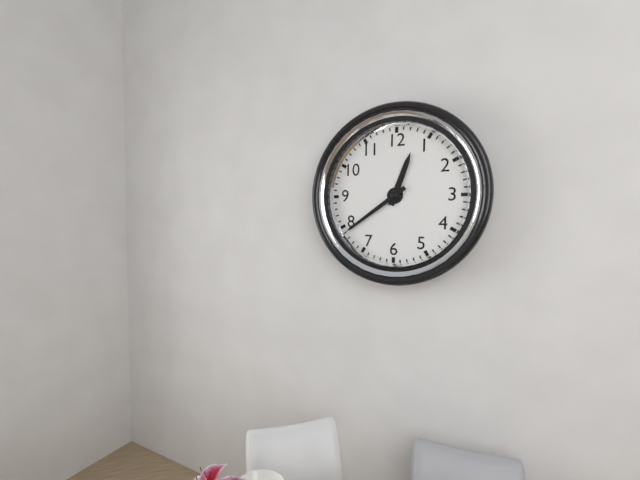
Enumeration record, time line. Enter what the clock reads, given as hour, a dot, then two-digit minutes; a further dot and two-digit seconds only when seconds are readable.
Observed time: 12.39
